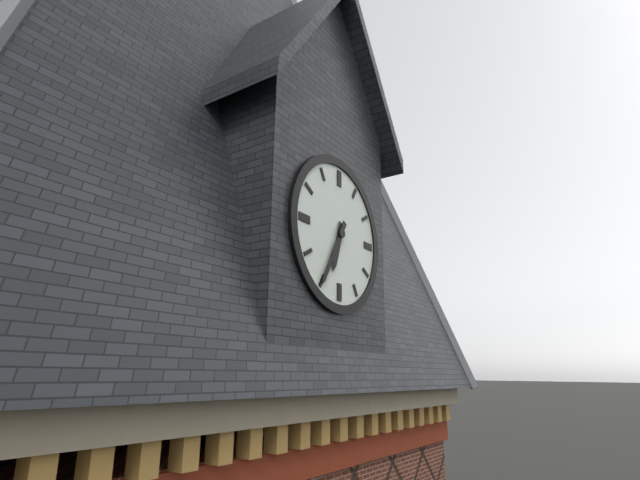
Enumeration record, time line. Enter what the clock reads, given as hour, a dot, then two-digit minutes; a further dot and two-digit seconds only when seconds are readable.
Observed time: 6.35
